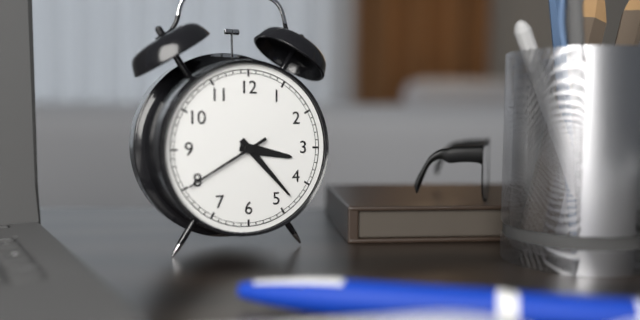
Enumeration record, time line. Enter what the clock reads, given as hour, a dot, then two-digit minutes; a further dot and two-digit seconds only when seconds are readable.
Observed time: 3.23.40
